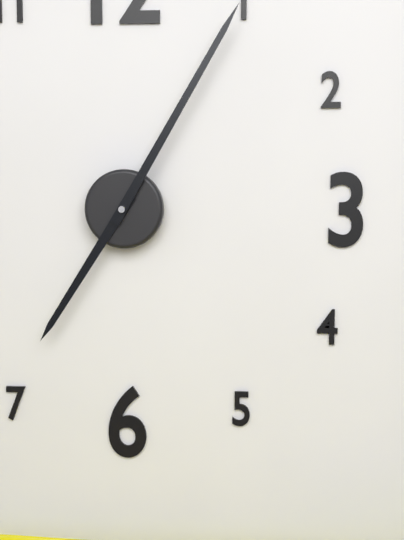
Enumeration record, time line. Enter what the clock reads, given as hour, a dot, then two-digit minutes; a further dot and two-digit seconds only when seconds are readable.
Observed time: 7.05
